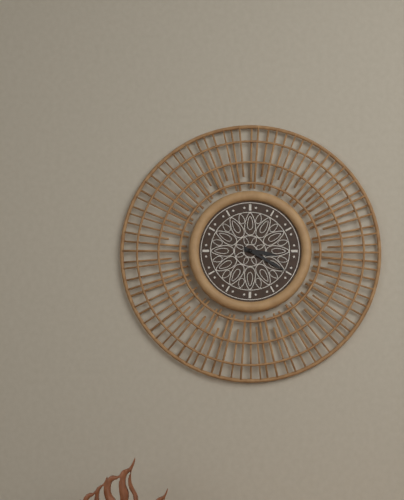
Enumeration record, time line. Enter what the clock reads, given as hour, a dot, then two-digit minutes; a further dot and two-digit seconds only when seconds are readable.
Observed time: 3.20
